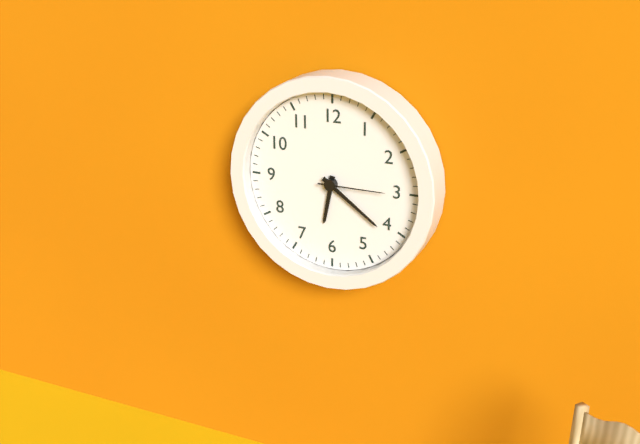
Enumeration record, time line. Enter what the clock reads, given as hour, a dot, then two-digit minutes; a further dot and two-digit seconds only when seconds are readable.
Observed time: 6.21.15
